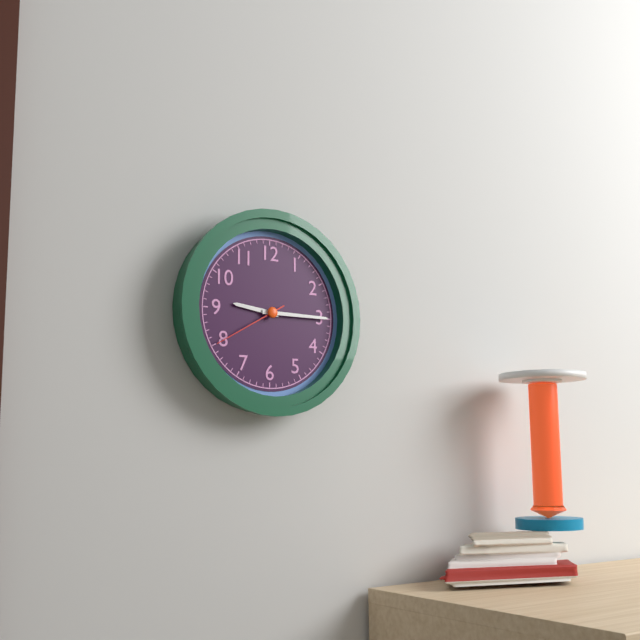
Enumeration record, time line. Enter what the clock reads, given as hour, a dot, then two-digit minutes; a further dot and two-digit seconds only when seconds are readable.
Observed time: 9.15.40
